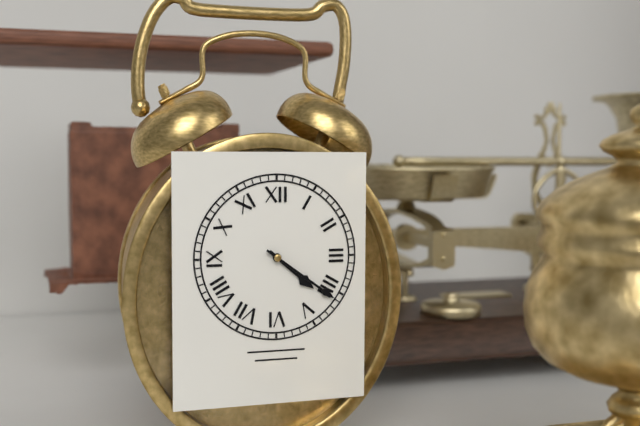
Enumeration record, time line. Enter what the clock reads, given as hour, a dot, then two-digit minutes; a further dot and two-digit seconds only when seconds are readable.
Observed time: 4.21
